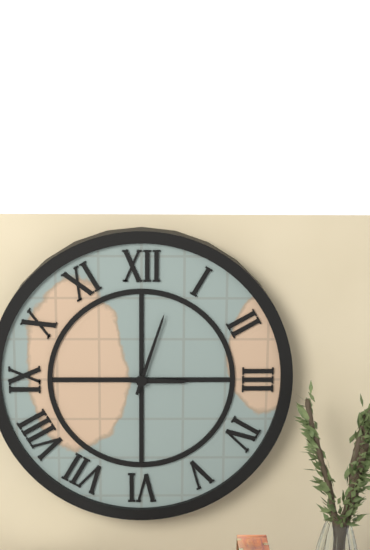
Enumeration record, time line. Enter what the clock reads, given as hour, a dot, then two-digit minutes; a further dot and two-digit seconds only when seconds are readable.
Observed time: 3.03
